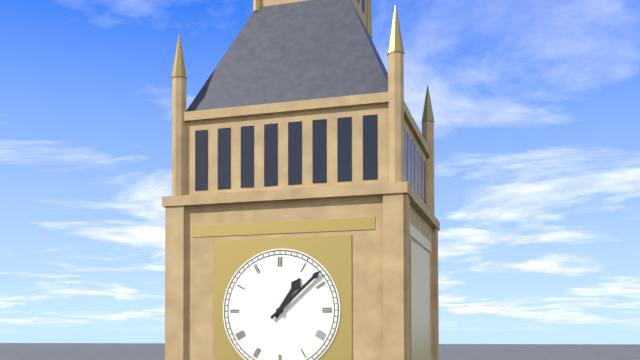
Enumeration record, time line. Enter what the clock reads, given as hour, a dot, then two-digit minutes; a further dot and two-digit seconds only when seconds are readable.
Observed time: 1.08
